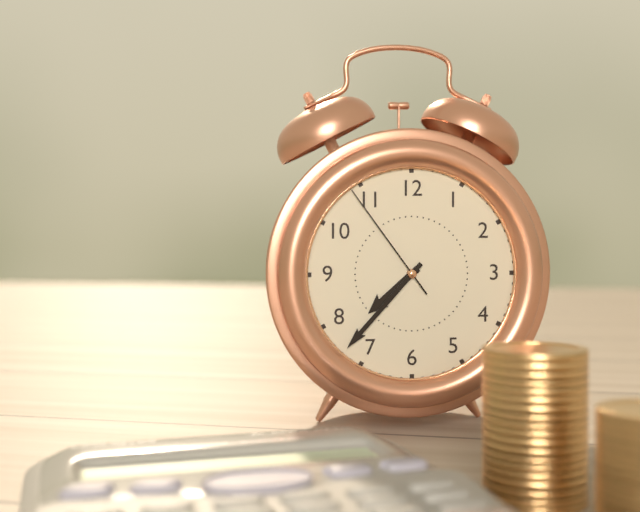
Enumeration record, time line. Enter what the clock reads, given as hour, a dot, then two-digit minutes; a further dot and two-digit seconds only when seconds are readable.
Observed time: 7.37.54
